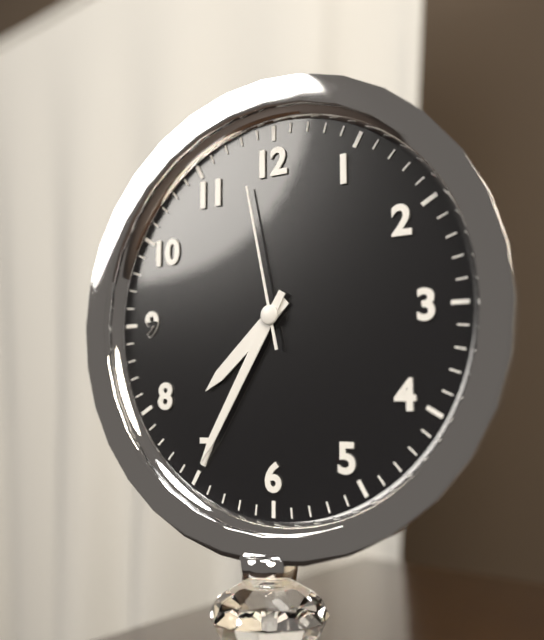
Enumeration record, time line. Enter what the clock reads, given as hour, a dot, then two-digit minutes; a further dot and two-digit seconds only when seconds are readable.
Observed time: 7.35.58
